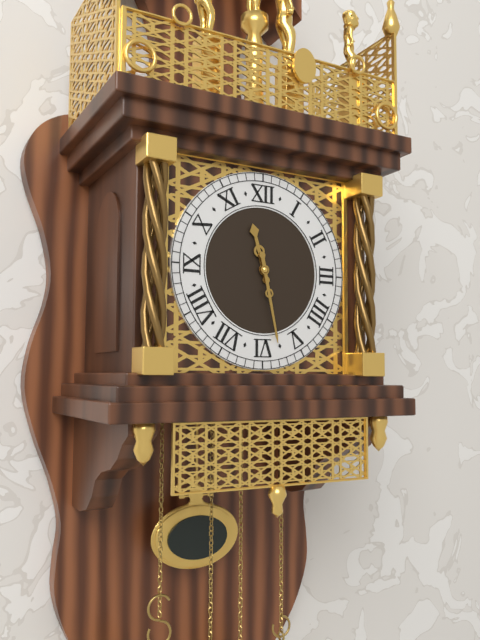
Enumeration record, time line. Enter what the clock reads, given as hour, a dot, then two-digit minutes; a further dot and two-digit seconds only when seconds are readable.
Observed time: 11.28
